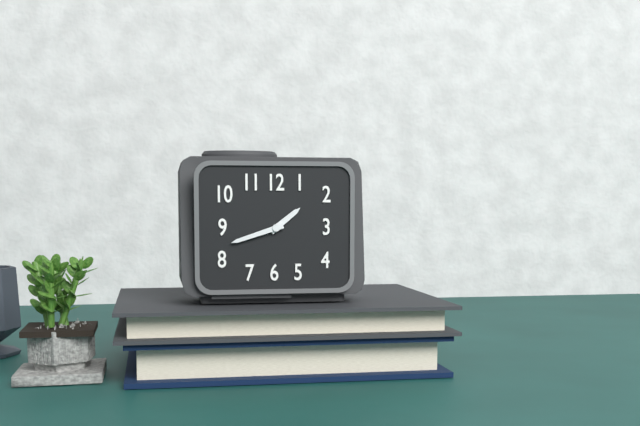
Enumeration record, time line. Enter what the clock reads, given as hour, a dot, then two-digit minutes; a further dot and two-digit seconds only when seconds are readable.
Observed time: 1.42
